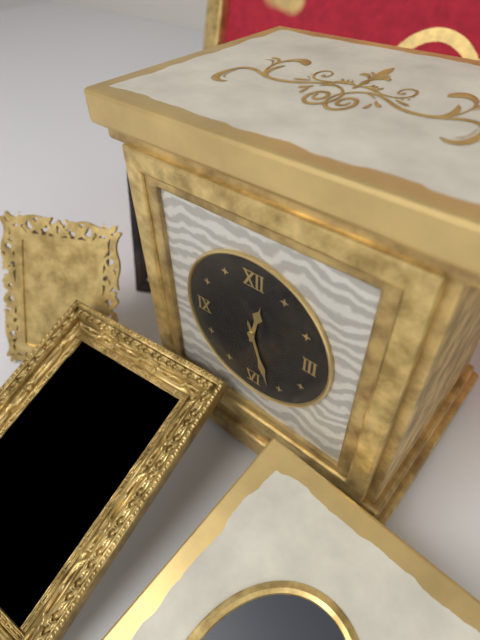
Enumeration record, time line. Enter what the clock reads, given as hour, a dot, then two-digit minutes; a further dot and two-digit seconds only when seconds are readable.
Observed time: 12.27
